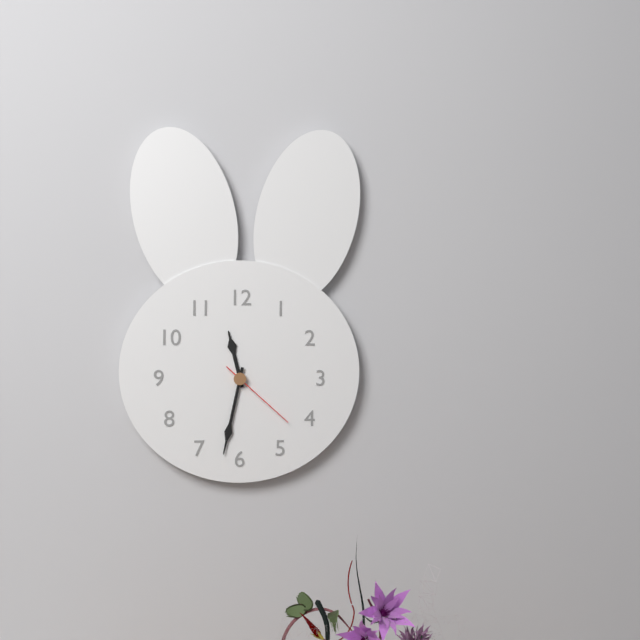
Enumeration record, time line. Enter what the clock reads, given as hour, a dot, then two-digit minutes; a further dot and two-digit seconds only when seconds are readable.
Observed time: 11.32.22
